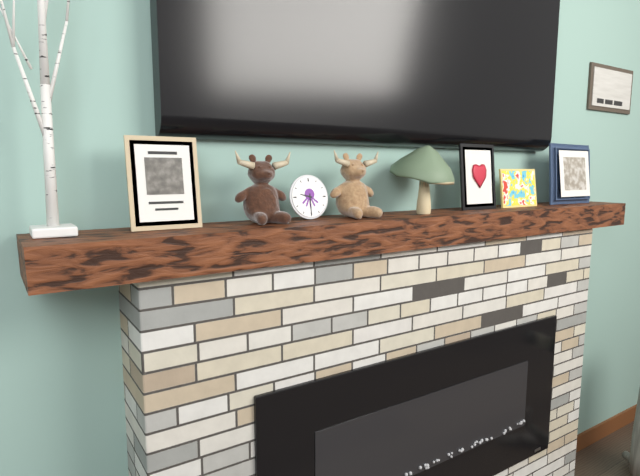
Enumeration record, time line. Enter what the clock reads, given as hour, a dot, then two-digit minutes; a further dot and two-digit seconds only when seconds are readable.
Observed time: 9.30
